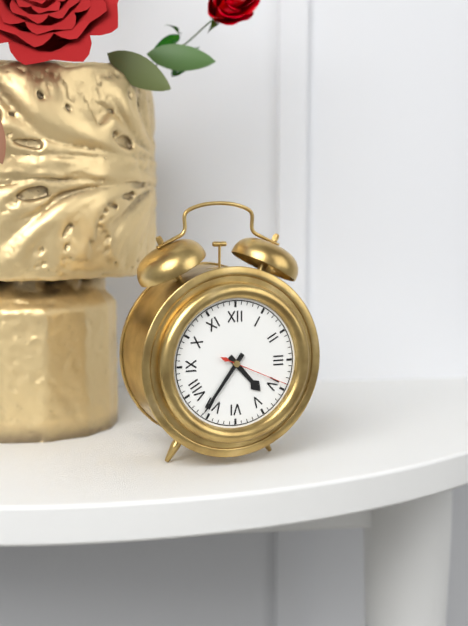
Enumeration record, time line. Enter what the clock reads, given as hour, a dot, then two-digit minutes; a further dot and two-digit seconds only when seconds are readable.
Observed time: 4.36.19
